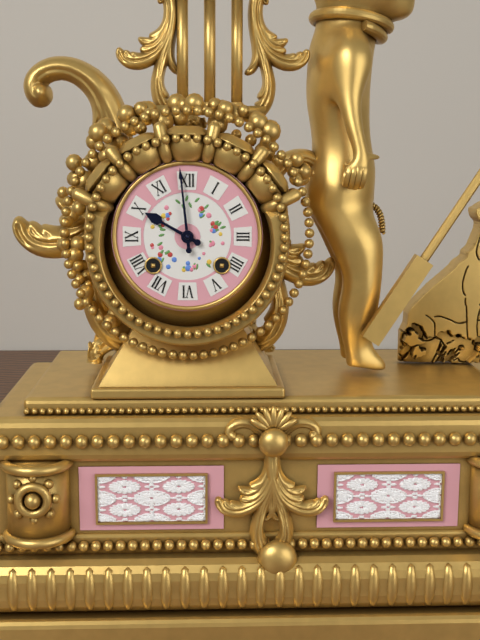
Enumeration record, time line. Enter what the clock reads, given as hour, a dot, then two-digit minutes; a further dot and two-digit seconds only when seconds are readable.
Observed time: 9.59
